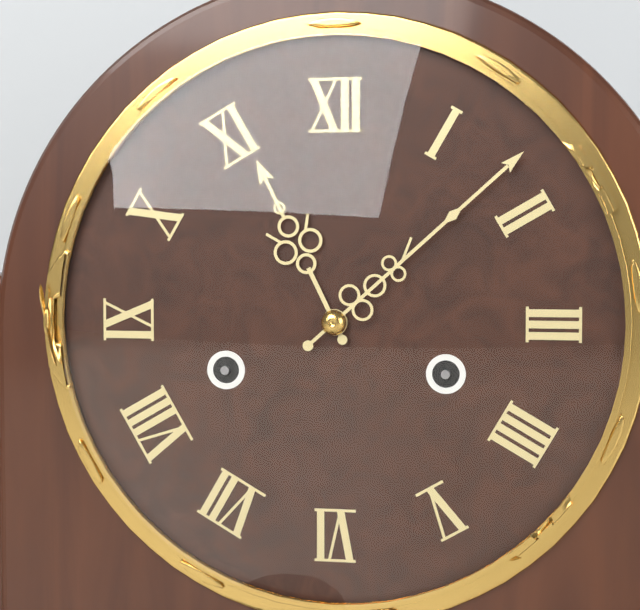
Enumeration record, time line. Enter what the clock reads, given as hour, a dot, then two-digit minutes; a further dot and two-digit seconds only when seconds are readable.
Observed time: 11.08
